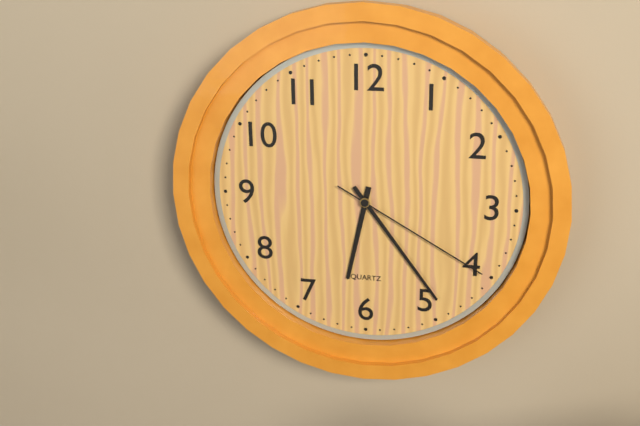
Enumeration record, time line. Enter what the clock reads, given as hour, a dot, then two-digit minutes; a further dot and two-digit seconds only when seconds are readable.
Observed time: 6.24.20
